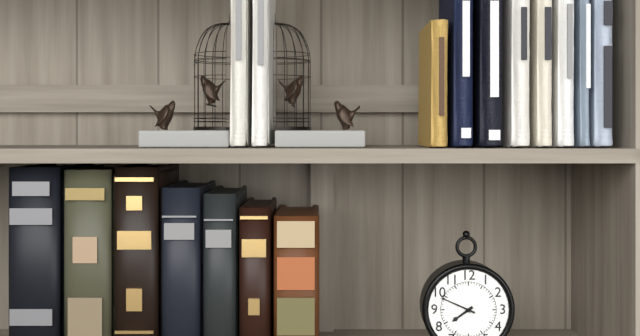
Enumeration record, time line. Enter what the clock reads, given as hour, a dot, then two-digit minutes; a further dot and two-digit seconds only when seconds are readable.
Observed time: 7.49
